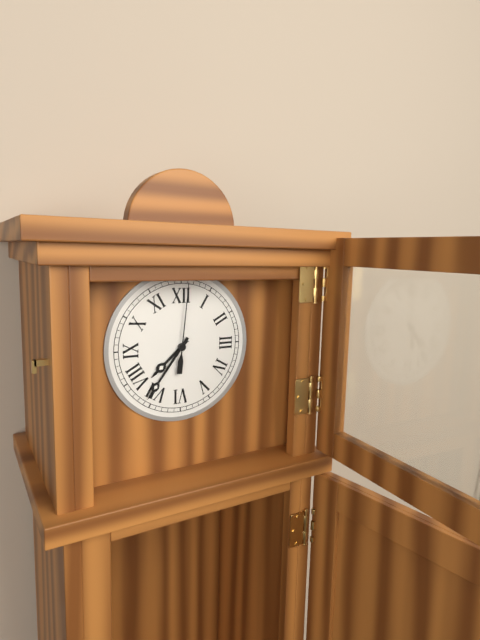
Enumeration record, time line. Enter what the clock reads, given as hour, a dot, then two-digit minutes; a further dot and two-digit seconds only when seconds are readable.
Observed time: 7.36.01
